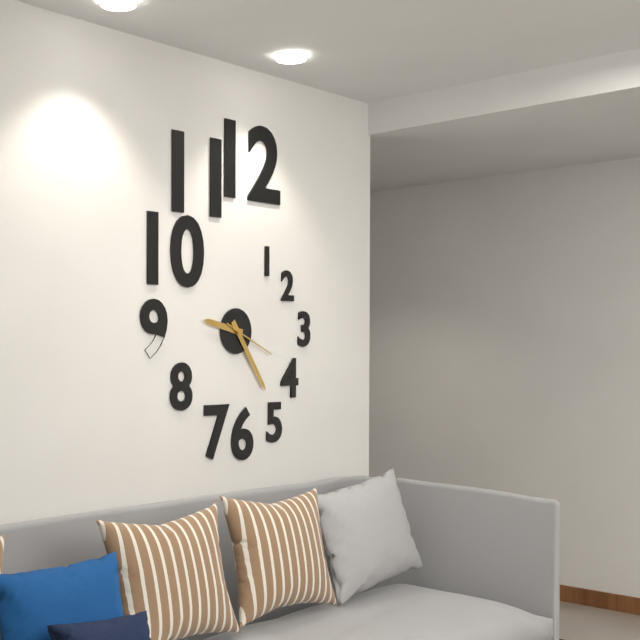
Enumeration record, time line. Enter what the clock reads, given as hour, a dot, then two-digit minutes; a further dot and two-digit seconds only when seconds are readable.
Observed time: 9.24.19
